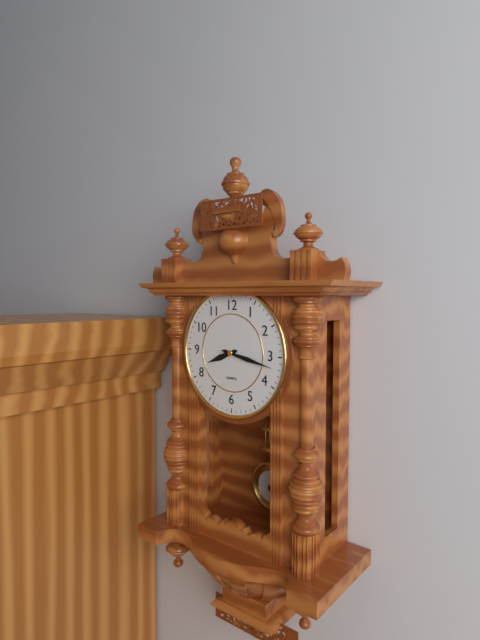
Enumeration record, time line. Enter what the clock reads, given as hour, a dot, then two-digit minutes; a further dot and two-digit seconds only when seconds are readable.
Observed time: 8.17
